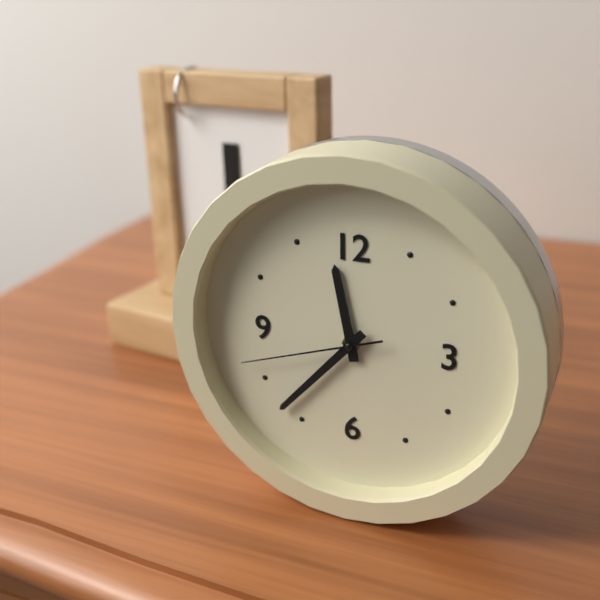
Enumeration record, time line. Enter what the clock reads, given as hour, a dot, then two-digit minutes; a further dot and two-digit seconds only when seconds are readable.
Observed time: 11.37.42
